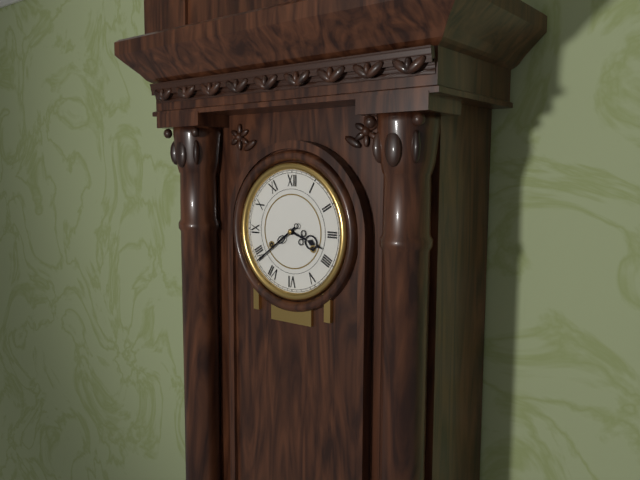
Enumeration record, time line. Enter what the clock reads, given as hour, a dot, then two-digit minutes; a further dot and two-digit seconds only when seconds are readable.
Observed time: 3.39
